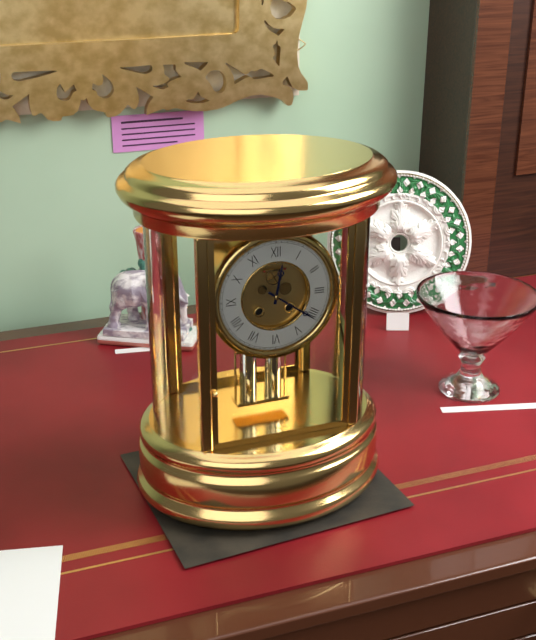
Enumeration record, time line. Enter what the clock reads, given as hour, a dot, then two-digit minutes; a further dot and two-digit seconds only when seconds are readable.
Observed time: 12.21
